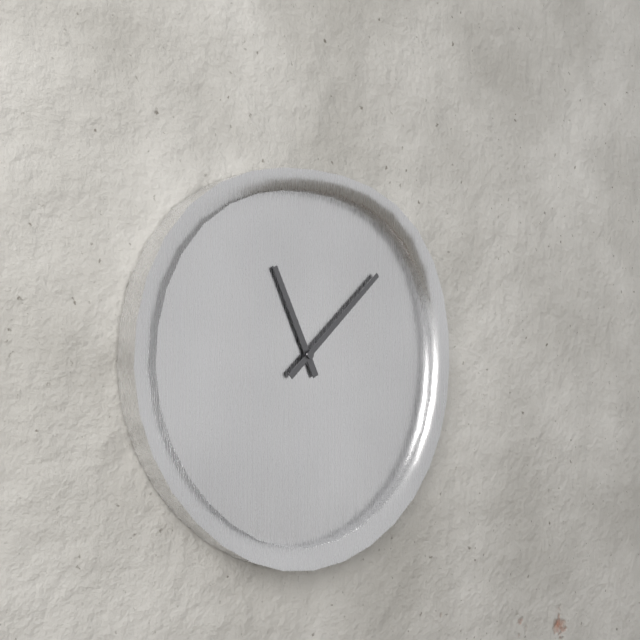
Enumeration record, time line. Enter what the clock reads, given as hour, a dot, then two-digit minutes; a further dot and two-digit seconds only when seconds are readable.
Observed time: 11.08
